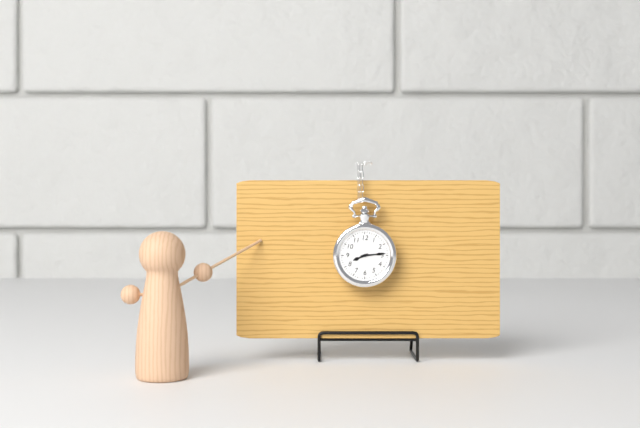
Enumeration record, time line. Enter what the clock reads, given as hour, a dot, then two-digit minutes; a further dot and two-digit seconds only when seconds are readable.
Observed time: 8.14
